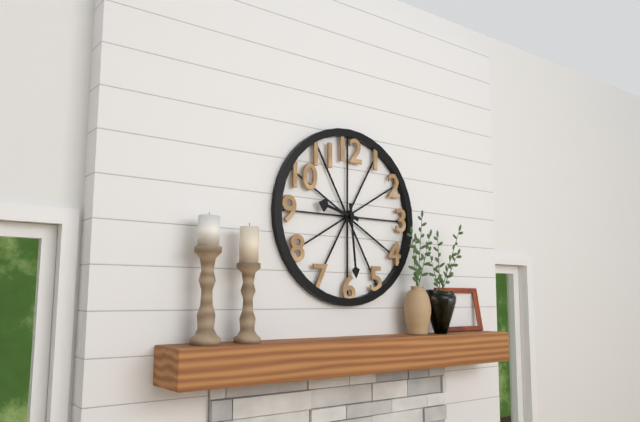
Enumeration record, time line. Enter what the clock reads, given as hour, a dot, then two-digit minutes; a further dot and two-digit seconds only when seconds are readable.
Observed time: 9.29
